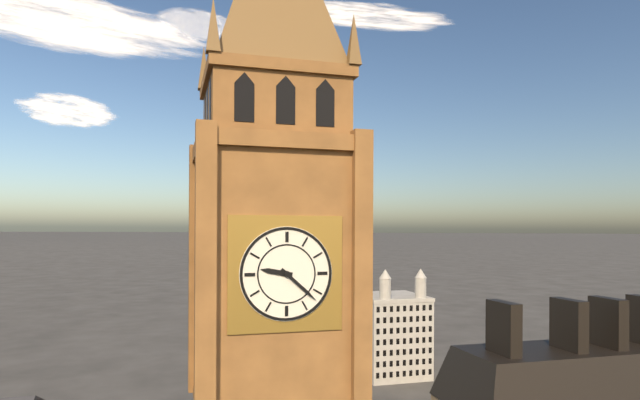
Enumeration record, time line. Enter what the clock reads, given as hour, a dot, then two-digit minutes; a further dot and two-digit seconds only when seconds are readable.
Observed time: 9.22
